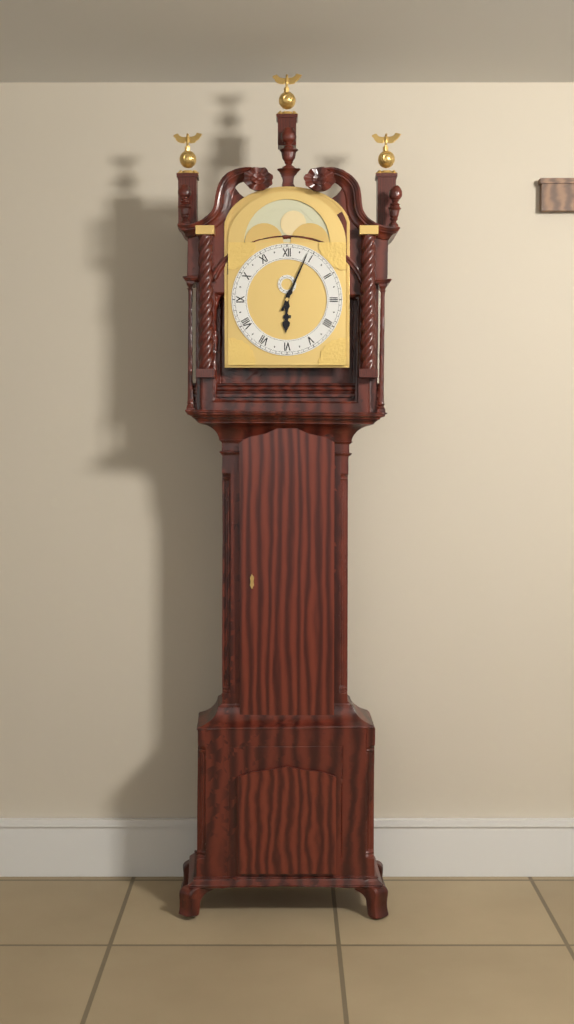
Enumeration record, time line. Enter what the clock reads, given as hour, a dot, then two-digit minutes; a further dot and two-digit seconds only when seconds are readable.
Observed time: 6.04
